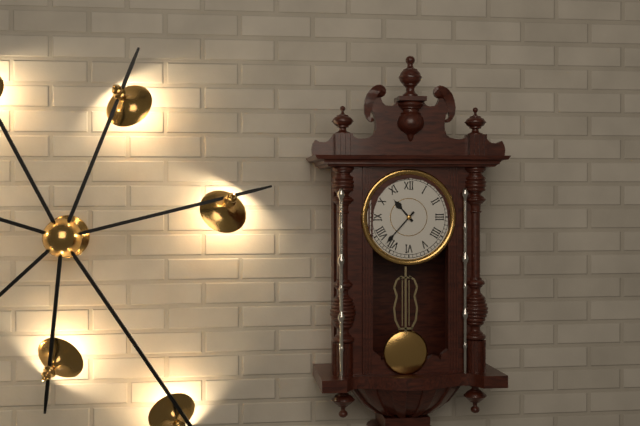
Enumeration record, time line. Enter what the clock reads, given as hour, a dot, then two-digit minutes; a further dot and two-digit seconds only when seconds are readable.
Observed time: 10.37
